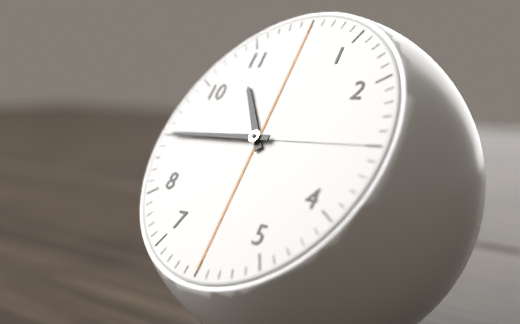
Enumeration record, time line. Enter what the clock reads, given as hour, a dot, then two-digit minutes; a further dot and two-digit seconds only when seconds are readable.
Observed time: 10.45
